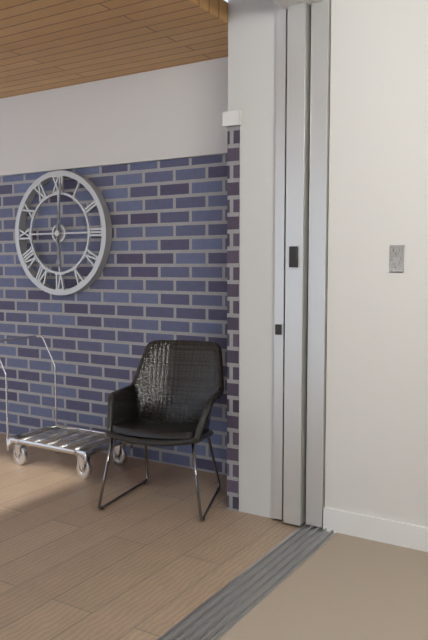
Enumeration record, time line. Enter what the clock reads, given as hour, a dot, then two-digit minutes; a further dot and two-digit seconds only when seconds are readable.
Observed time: 6.01
